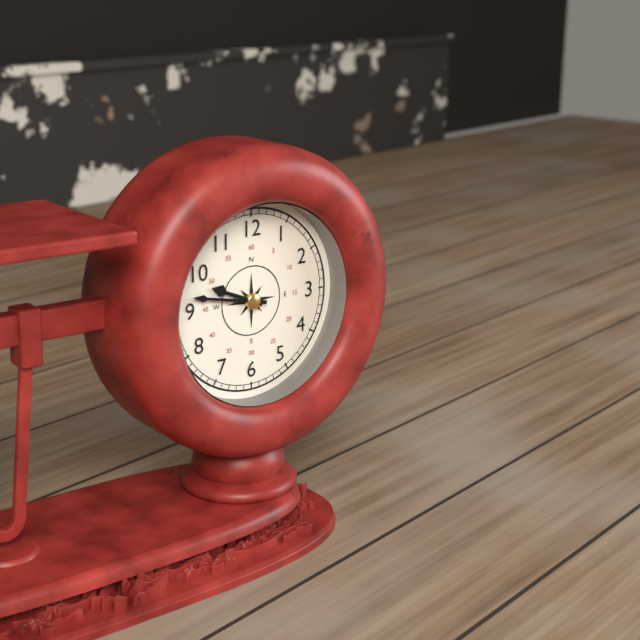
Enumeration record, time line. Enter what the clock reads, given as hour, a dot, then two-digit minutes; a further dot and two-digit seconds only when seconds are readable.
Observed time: 9.47
